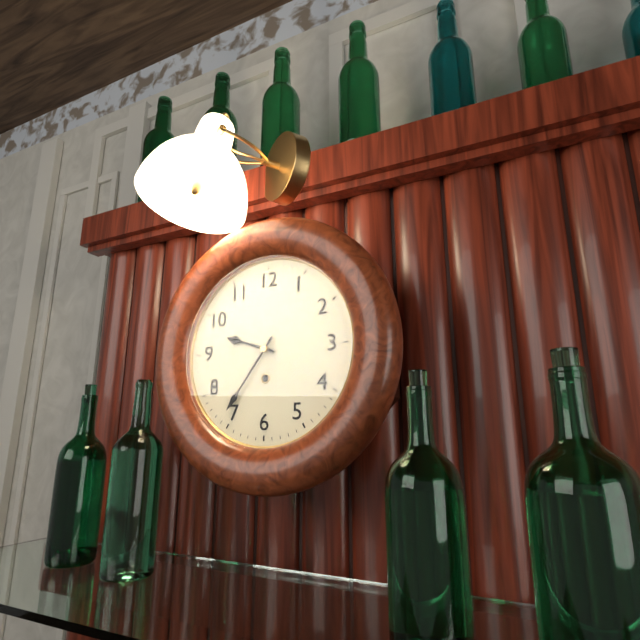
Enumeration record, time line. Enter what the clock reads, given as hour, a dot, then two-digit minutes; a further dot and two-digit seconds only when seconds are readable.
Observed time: 9.36
